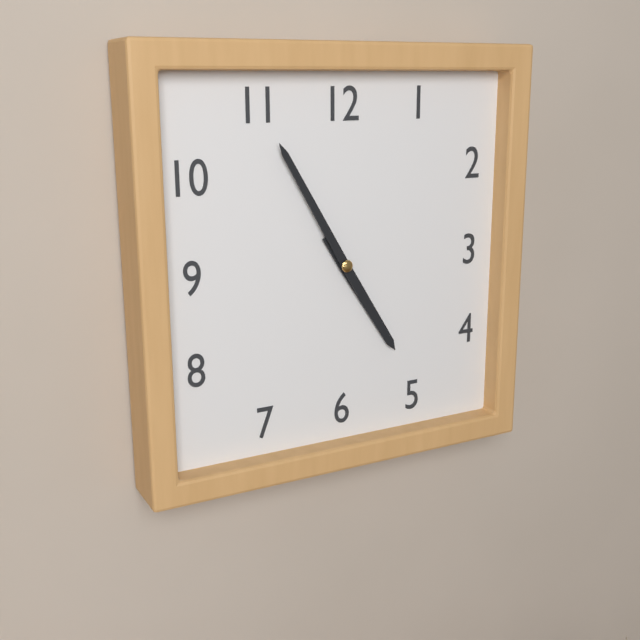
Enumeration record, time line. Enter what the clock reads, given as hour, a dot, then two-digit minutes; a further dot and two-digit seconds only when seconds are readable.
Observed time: 4.55
